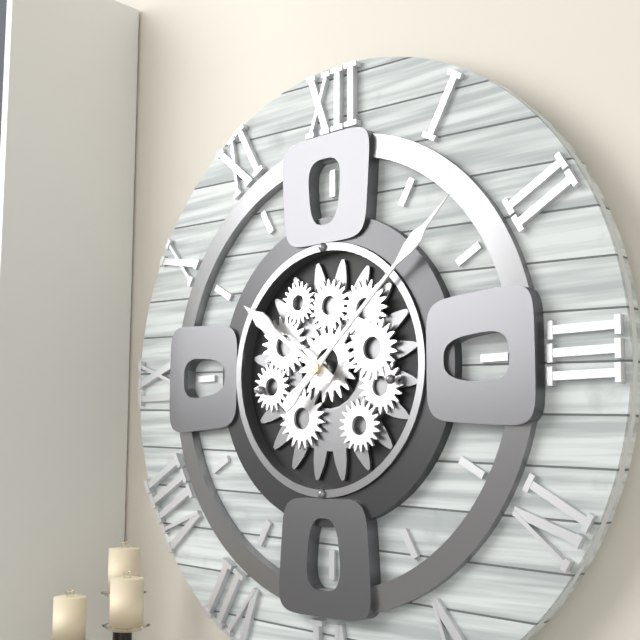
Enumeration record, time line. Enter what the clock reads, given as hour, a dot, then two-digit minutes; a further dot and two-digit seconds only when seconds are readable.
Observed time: 10.08
